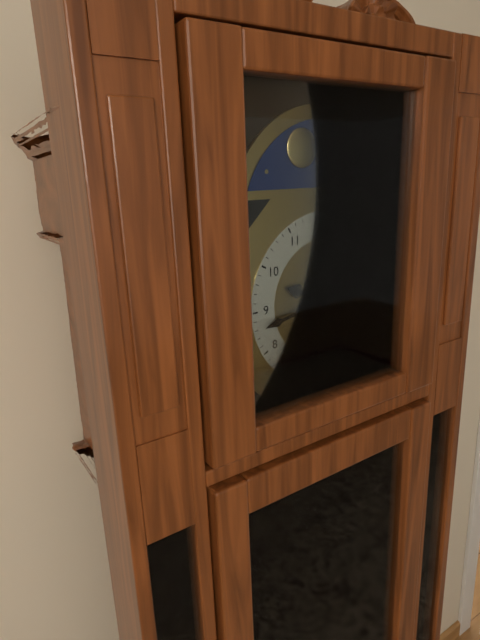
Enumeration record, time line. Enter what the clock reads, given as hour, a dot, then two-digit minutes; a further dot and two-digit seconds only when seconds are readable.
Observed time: 9.43
